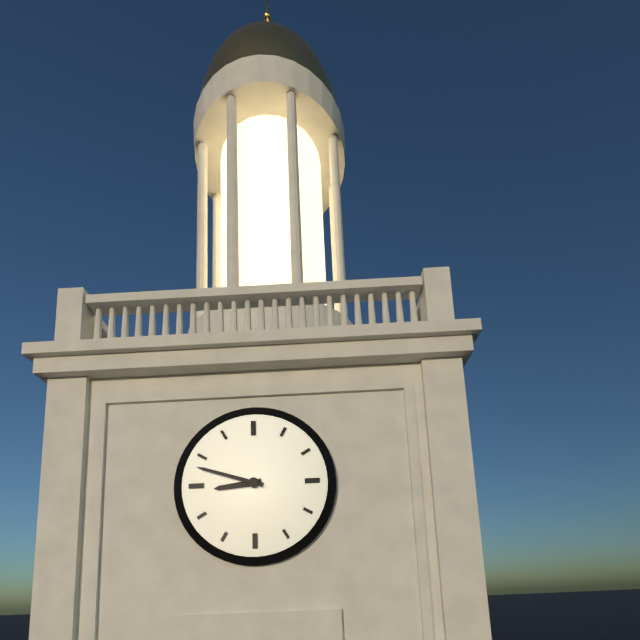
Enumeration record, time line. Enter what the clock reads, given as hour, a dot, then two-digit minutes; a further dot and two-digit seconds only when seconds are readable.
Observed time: 8.48
